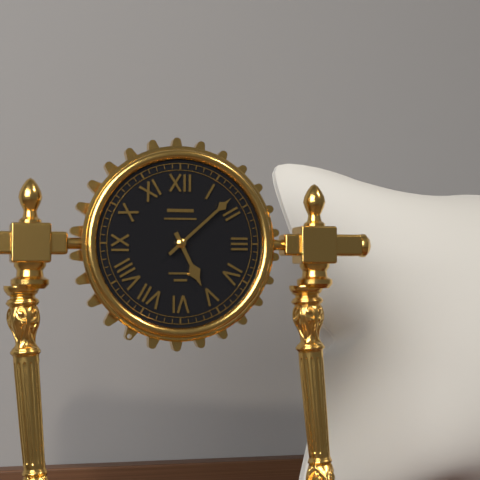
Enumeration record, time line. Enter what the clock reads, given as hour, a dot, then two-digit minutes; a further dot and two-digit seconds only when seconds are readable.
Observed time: 5.08
